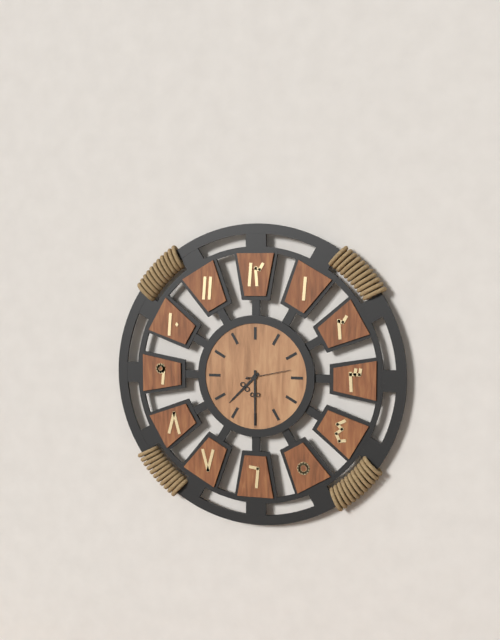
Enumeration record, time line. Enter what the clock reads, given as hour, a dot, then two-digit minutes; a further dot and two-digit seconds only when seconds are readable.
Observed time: 7.30
